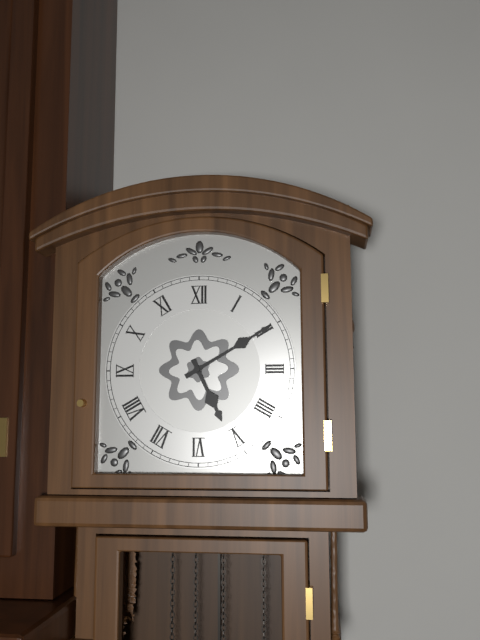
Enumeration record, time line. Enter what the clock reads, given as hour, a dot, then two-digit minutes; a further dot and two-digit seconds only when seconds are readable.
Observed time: 5.10
